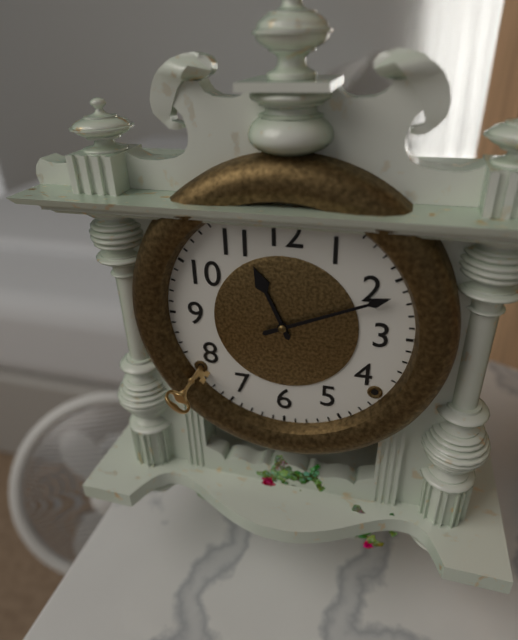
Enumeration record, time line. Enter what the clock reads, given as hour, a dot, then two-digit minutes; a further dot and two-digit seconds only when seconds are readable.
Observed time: 11.11
